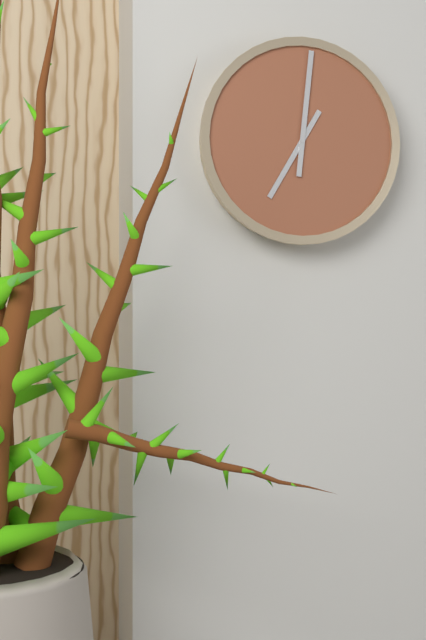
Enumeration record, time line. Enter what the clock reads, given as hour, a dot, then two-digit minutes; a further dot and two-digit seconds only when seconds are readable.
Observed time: 7.01
